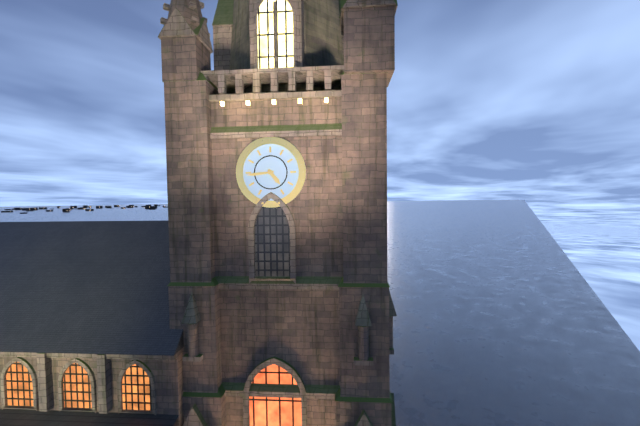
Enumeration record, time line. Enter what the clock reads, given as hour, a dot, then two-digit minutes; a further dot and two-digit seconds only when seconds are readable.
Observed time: 4.44
